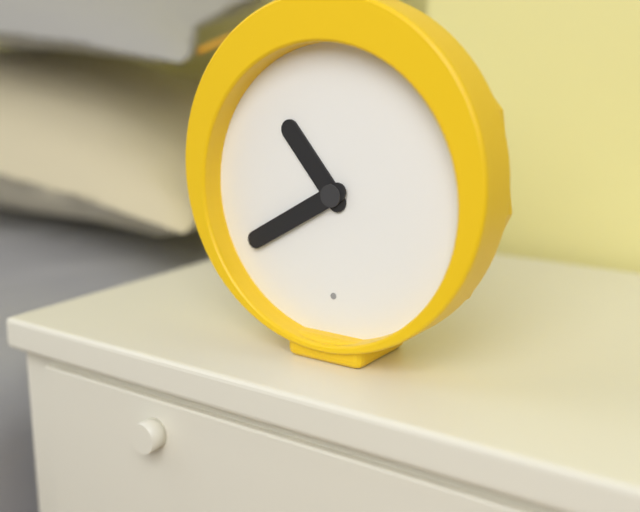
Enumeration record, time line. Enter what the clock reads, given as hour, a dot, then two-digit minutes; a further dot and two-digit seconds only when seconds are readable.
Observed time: 10.40
